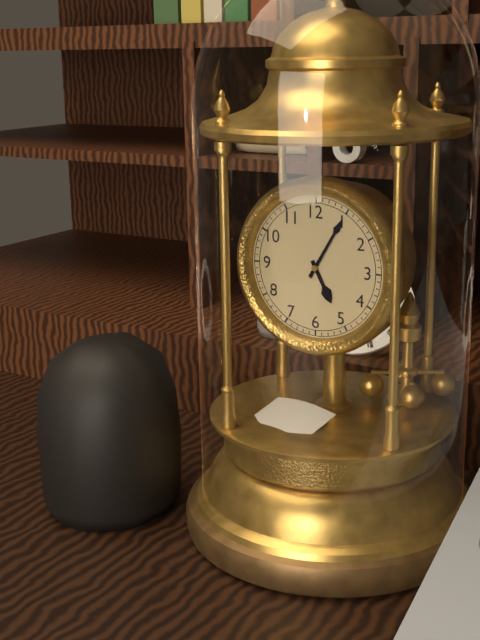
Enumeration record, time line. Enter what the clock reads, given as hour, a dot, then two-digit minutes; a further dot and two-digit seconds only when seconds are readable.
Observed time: 5.05
